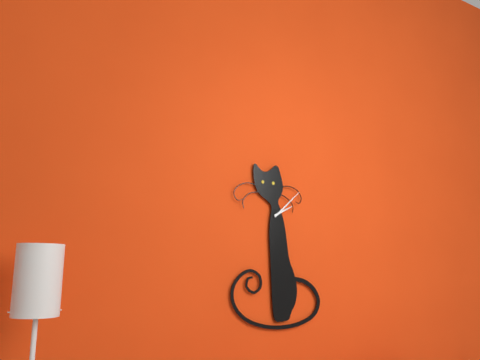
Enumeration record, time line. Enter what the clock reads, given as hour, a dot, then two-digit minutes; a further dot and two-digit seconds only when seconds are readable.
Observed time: 2.08
